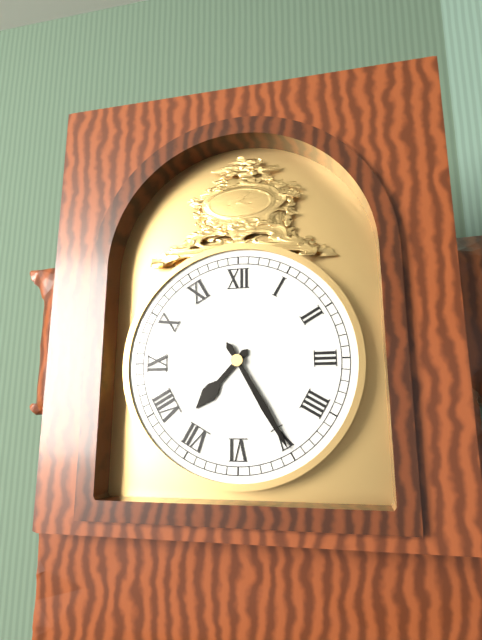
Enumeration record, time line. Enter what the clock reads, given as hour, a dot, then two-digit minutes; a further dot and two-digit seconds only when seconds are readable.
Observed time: 7.25
